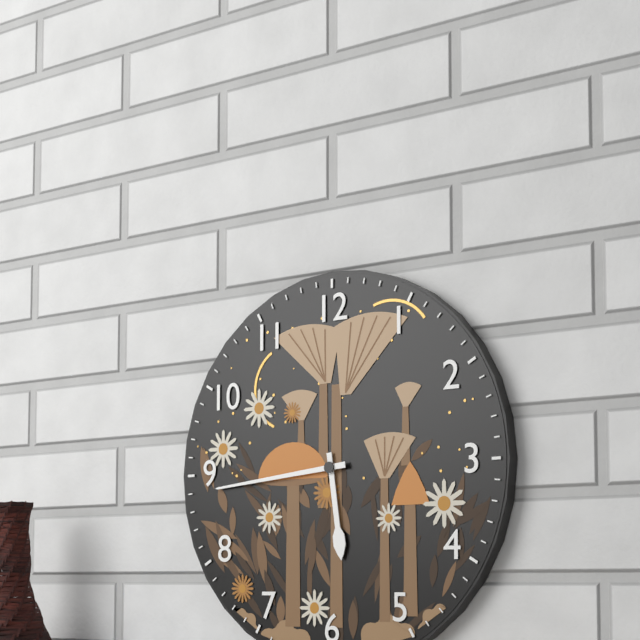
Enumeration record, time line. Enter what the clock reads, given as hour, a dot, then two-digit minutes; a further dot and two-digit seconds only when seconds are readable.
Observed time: 5.44
